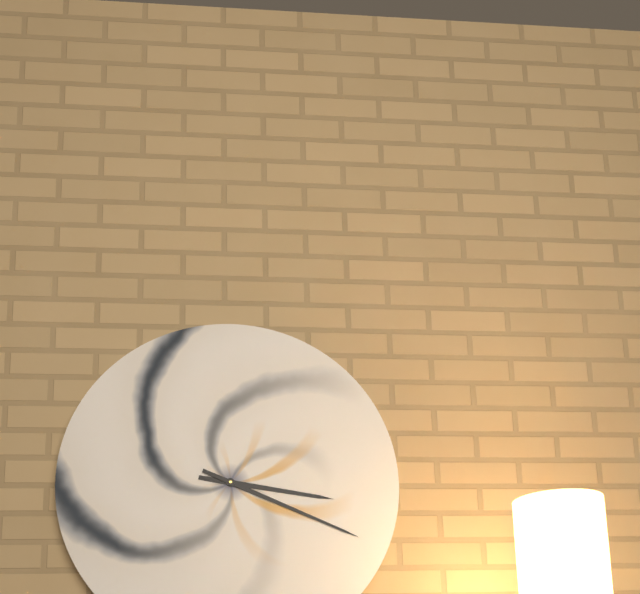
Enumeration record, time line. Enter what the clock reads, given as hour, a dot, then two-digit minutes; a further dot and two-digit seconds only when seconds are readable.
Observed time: 3.19
